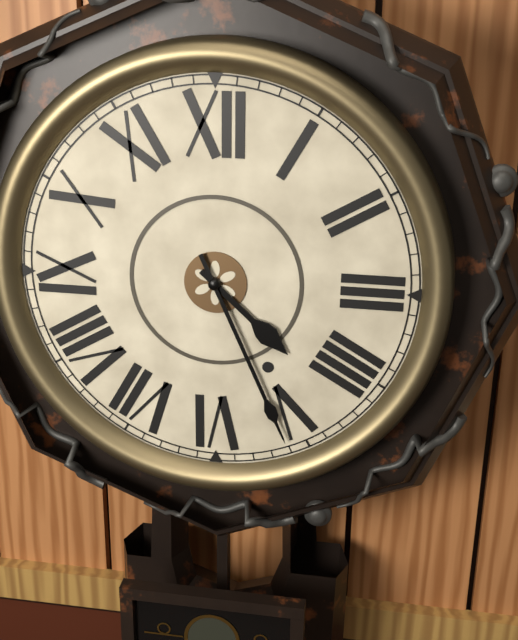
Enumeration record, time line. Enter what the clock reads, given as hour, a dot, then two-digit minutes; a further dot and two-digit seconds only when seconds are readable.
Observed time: 4.26
